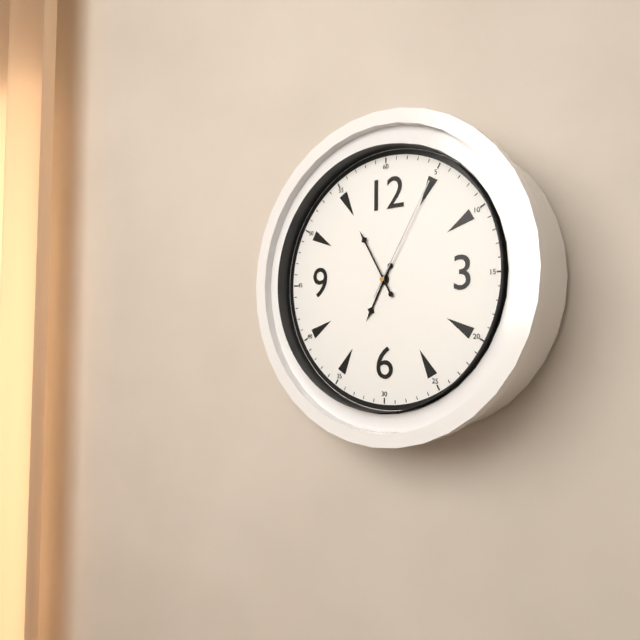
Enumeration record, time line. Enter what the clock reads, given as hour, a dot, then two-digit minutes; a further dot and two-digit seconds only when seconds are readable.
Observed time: 6.55.05
